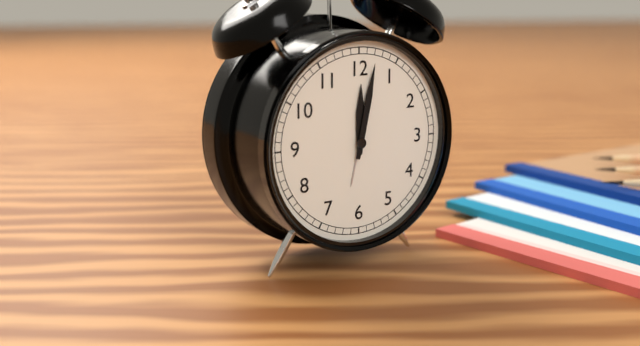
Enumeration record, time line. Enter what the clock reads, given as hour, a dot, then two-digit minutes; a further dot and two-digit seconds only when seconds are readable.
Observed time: 12.02
